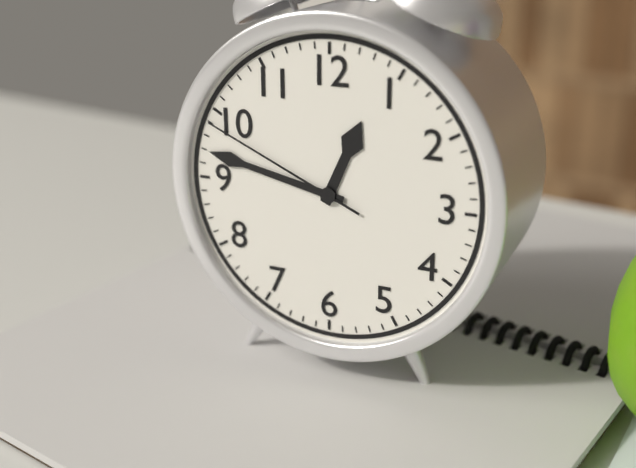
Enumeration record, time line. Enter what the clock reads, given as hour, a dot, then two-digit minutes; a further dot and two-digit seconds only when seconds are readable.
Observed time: 12.47.49
